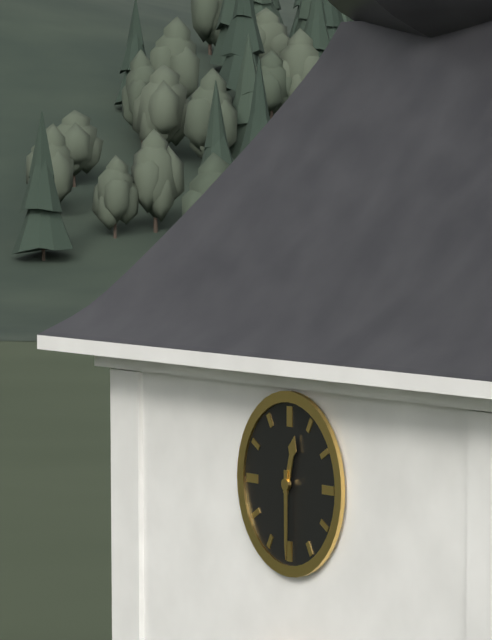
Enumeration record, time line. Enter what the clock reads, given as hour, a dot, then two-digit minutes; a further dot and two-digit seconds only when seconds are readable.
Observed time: 12.30
